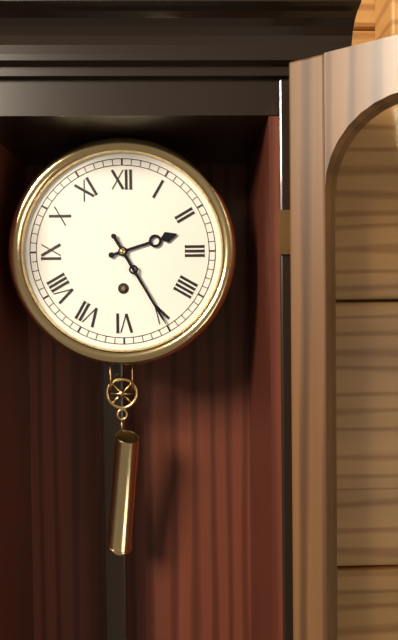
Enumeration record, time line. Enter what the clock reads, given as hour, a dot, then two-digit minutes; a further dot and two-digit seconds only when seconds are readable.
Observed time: 2.25
